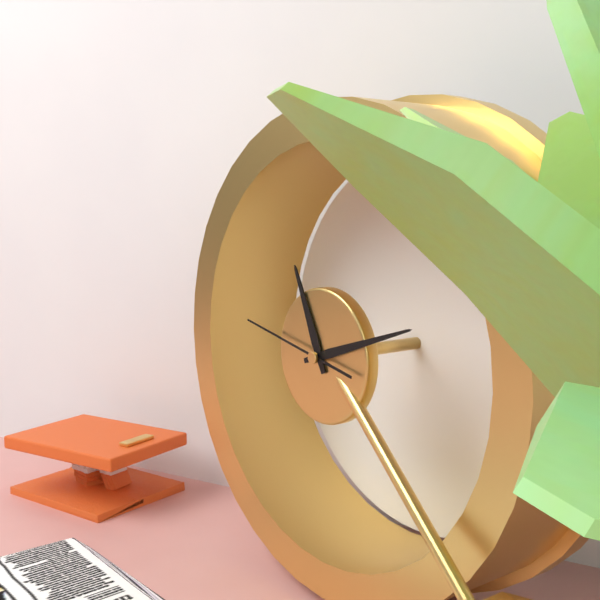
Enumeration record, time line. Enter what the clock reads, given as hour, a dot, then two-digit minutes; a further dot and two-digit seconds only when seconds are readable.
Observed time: 11.12.47
